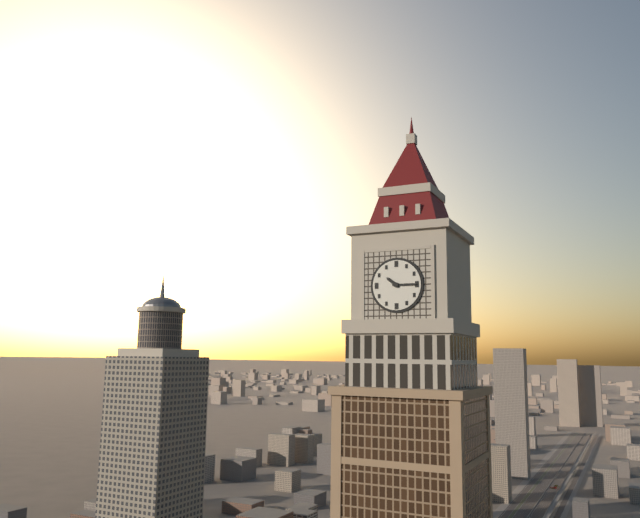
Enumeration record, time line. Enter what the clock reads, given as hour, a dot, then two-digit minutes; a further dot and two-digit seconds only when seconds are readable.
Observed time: 10.15
